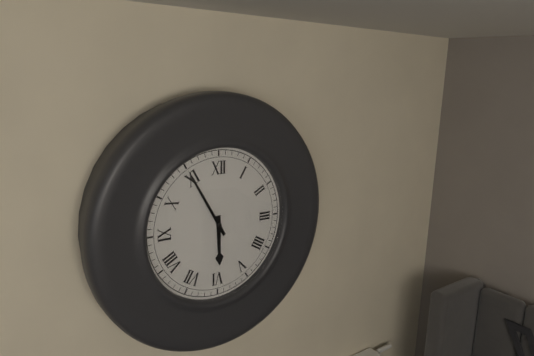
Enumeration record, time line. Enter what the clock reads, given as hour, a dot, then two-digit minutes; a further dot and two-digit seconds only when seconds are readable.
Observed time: 5.55
